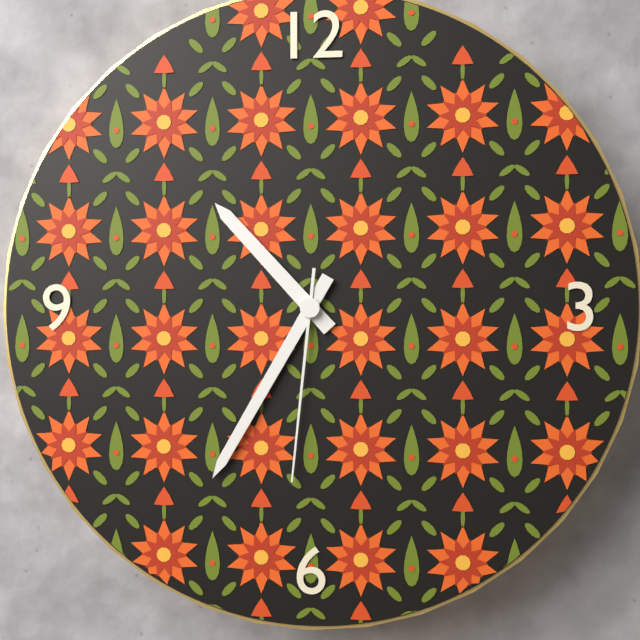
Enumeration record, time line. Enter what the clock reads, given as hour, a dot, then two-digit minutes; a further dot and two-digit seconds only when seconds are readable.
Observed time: 10.35.31
